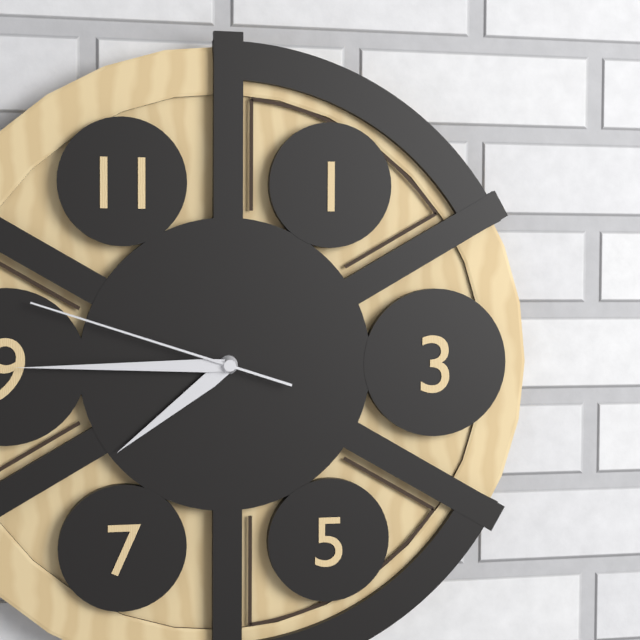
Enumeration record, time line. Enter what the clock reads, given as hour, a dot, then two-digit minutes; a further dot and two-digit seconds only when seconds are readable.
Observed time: 7.45.48
